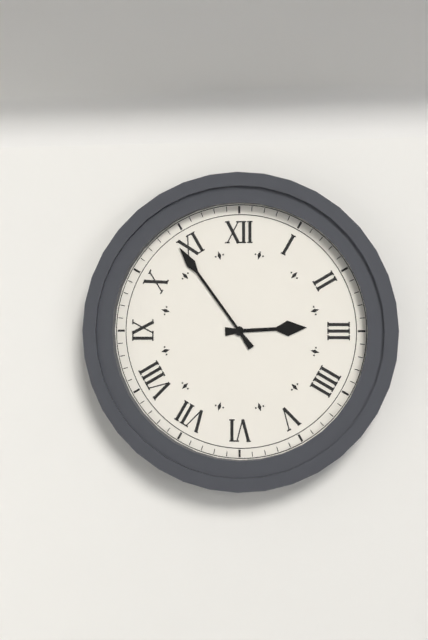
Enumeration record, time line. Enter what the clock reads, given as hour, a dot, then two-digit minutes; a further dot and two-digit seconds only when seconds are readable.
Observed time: 2.54
